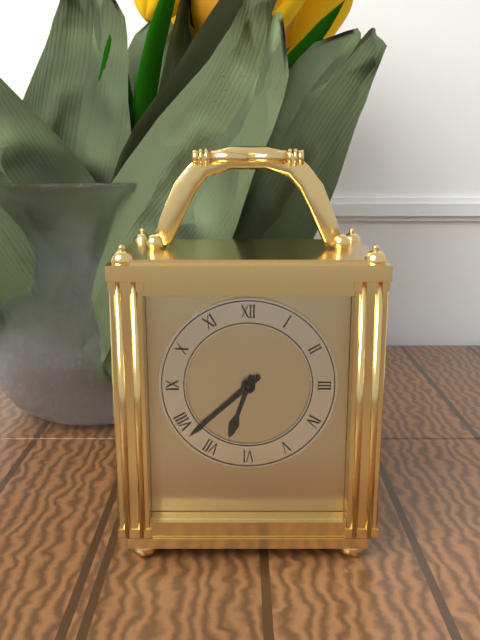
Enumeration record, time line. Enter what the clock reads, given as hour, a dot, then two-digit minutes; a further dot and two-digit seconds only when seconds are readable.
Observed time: 6.38
